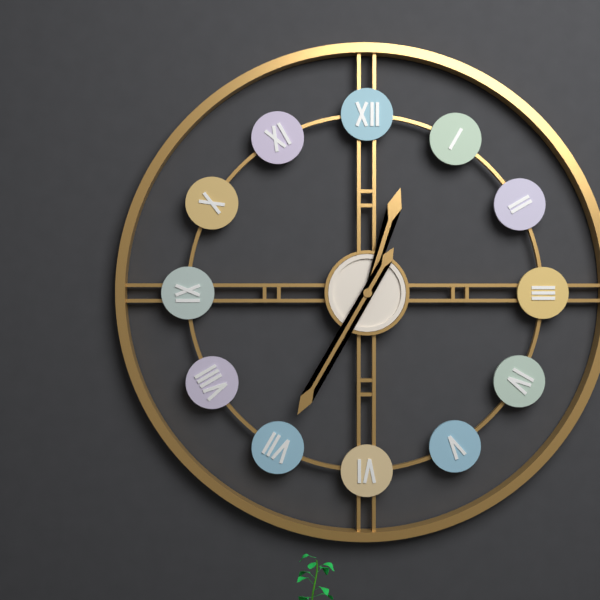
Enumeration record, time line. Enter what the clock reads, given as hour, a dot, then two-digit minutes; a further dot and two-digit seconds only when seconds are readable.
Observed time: 12.35
